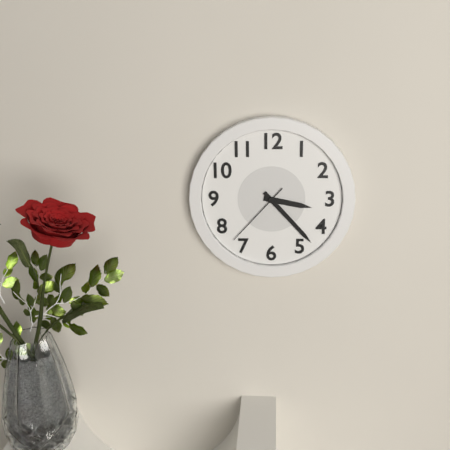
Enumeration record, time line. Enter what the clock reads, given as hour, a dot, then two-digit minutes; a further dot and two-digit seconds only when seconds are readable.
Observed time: 3.23.37
